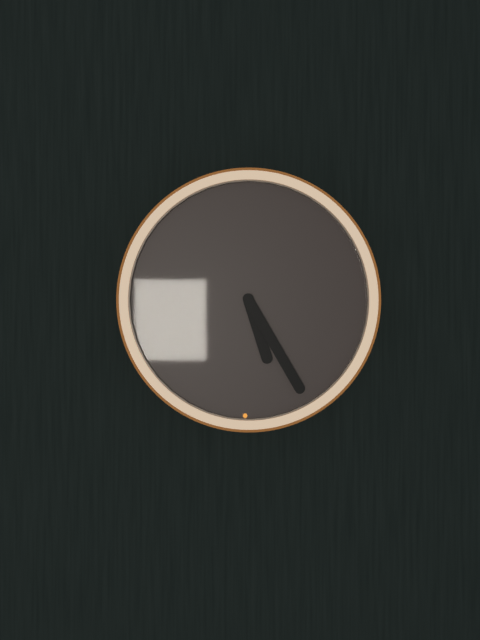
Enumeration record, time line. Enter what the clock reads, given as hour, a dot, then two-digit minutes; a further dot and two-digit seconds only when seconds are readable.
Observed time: 5.25
